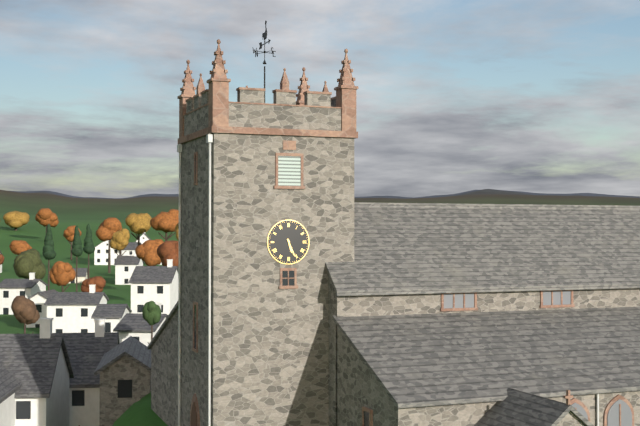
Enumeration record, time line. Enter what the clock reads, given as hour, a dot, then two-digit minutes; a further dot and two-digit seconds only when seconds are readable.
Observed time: 5.26
